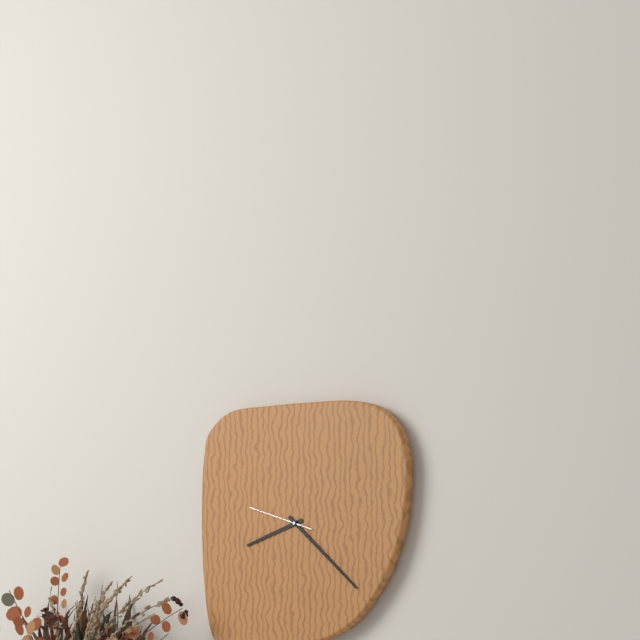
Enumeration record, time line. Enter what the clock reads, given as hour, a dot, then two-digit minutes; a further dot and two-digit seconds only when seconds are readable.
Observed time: 8.22.48
